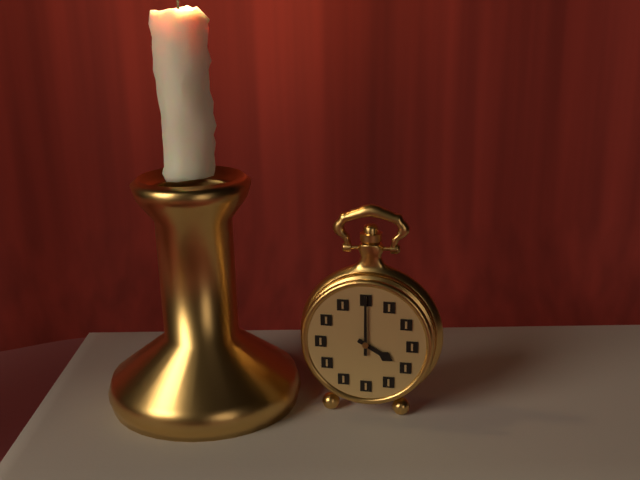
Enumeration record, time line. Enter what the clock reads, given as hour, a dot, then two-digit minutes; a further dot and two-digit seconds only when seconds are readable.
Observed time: 4.00
